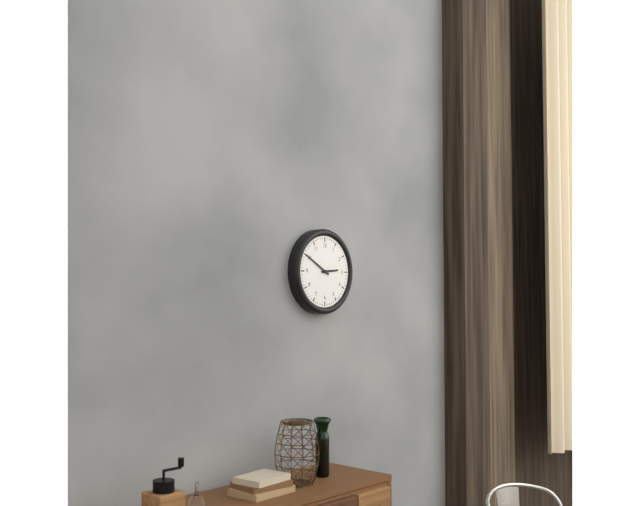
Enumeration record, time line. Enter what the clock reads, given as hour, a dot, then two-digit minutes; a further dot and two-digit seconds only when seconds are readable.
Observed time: 2.50
